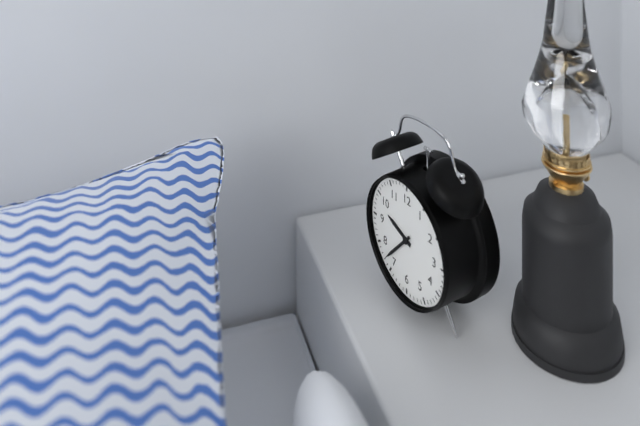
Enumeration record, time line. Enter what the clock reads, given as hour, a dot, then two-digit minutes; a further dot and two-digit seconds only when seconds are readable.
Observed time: 9.37
